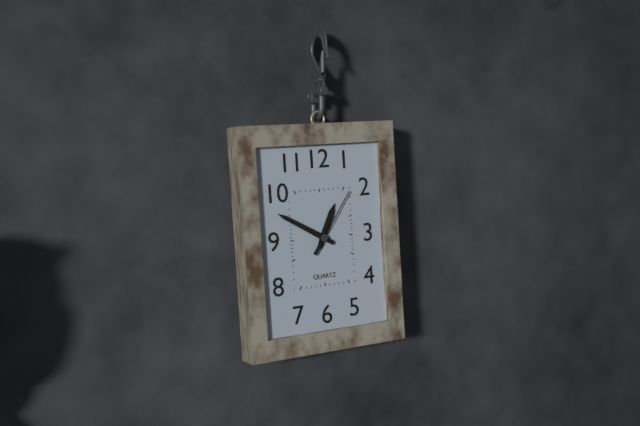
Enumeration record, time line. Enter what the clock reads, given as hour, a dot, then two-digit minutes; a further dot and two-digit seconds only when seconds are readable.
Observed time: 12.50.06
